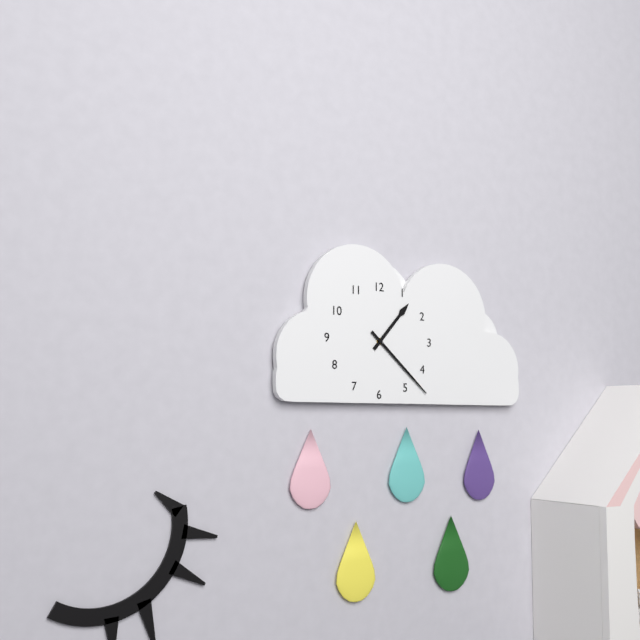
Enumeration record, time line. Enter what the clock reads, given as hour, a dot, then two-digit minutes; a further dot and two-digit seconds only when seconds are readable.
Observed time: 1.22
